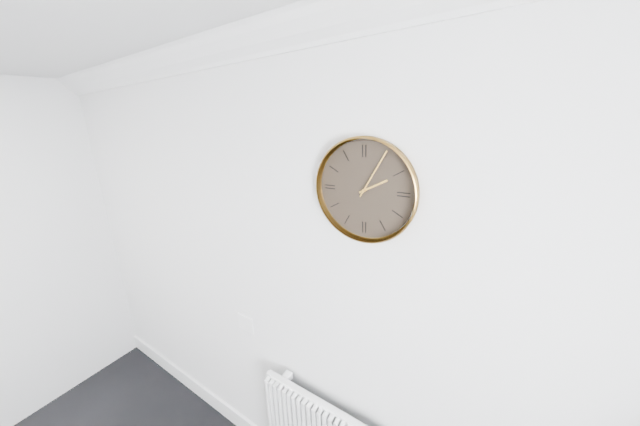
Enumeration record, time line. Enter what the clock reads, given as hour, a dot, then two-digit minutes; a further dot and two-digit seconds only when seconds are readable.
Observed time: 2.05
